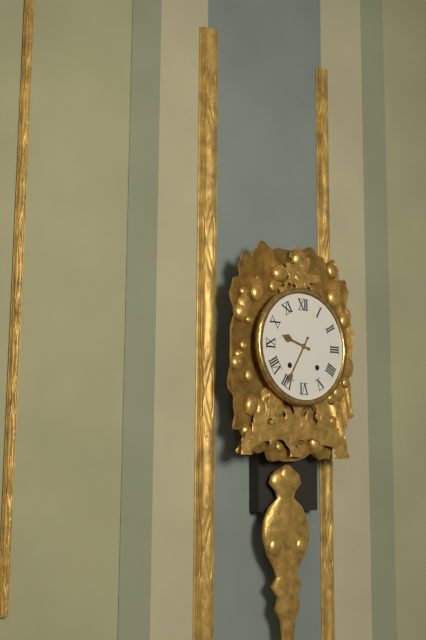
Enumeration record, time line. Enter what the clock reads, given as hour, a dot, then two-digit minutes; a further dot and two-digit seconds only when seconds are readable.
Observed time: 9.35
